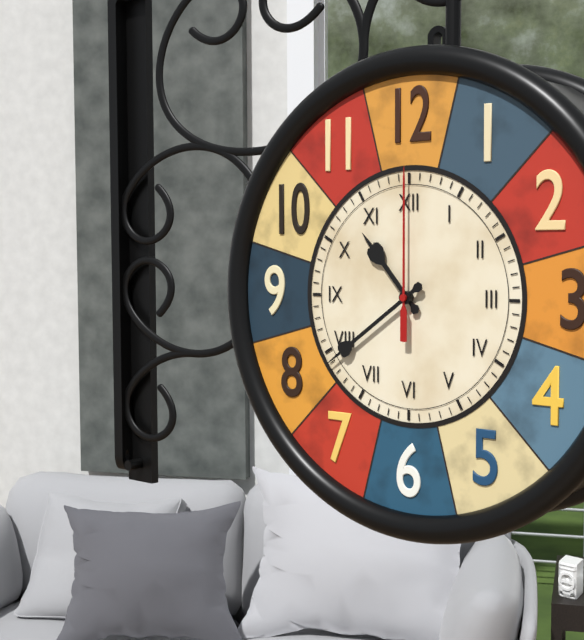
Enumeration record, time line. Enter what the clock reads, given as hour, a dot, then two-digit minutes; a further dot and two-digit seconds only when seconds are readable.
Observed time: 10.39.00
